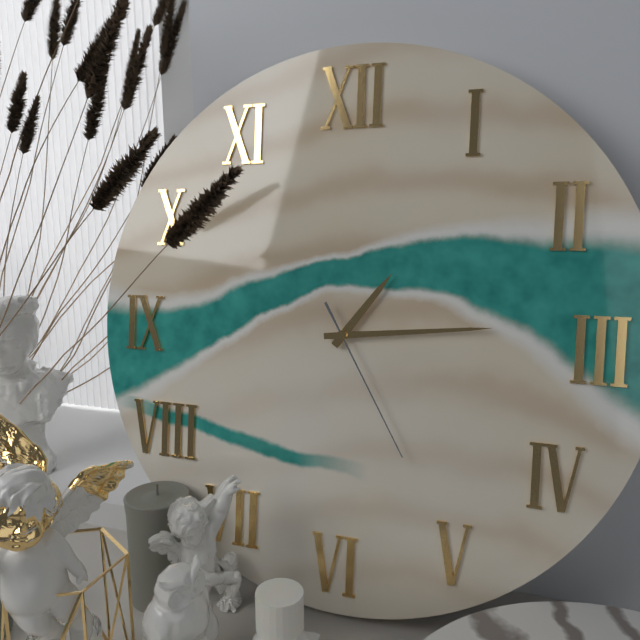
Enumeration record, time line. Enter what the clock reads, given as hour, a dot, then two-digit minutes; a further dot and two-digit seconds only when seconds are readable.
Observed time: 1.14.25
